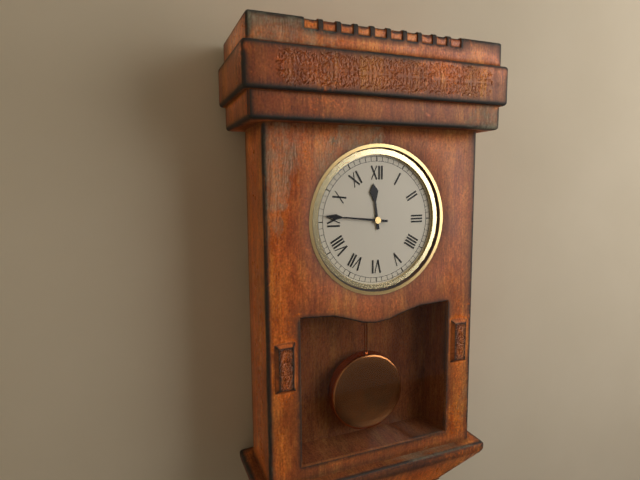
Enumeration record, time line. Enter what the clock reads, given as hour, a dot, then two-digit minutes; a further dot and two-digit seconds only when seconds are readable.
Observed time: 11.46
